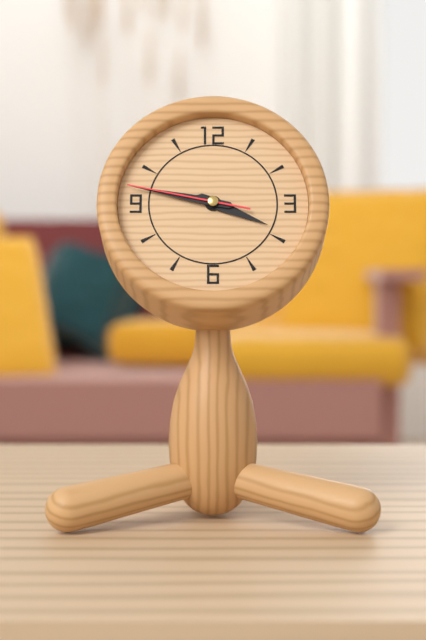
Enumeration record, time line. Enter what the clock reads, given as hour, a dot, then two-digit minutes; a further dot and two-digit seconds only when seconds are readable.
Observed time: 3.47.47
